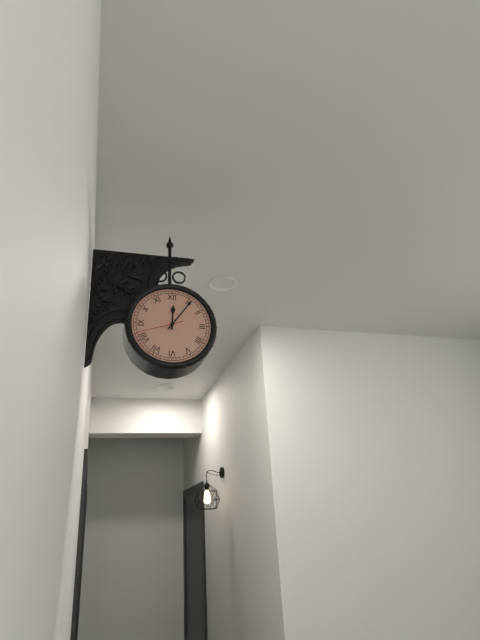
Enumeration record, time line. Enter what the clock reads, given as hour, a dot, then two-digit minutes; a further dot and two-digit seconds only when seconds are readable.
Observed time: 12.06
